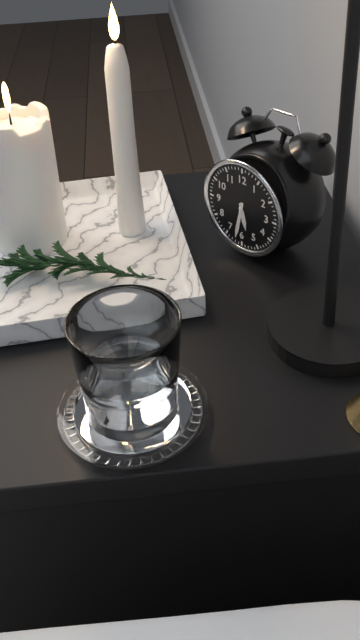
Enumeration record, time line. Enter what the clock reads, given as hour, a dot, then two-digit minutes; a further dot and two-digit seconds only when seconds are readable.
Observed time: 5.32
